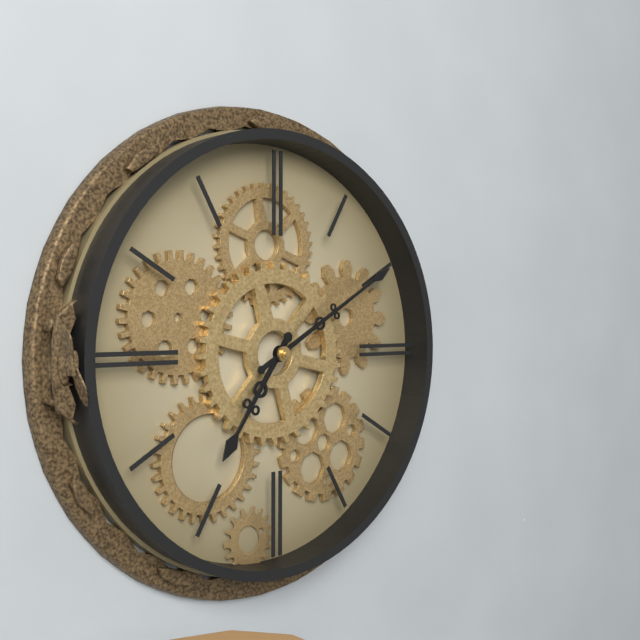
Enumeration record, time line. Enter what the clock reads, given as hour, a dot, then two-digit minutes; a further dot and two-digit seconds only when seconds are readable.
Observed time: 7.10
